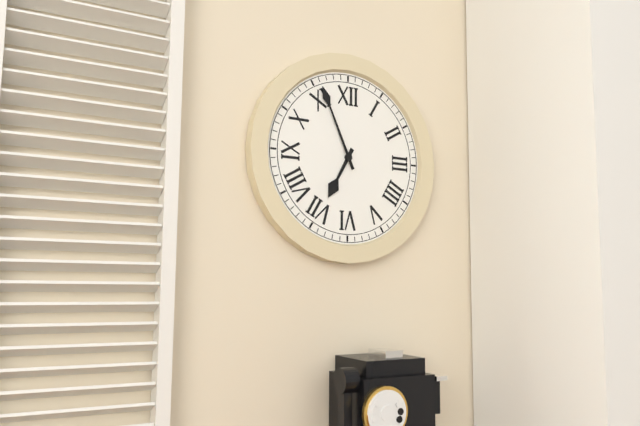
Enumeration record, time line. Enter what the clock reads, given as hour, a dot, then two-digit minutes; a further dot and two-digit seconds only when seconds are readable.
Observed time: 6.56
